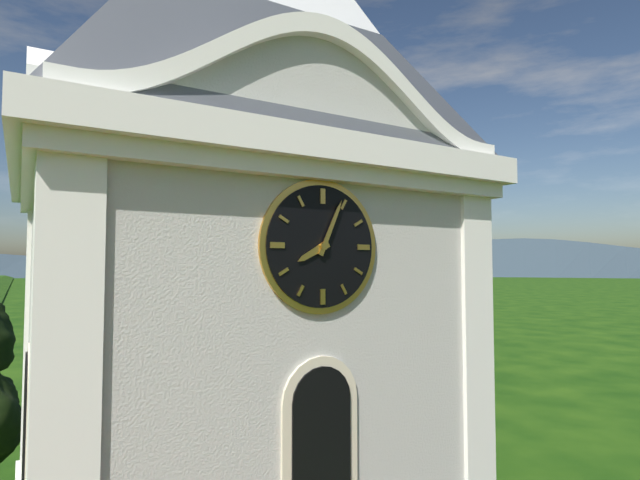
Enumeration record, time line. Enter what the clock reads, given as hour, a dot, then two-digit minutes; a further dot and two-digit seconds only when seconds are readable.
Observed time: 8.04
